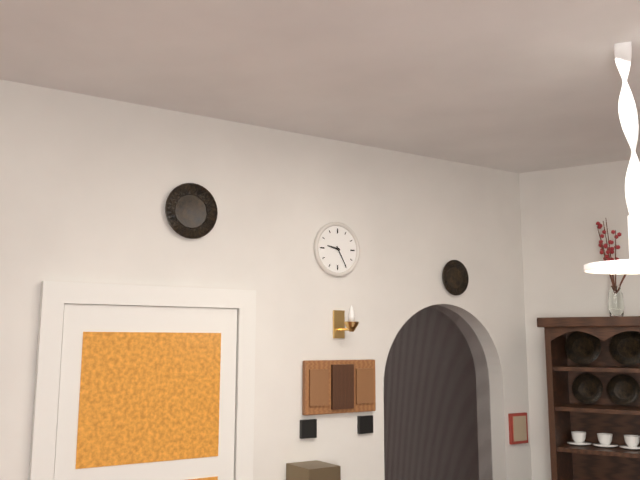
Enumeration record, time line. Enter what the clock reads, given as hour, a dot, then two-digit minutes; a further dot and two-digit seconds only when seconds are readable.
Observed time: 9.25
